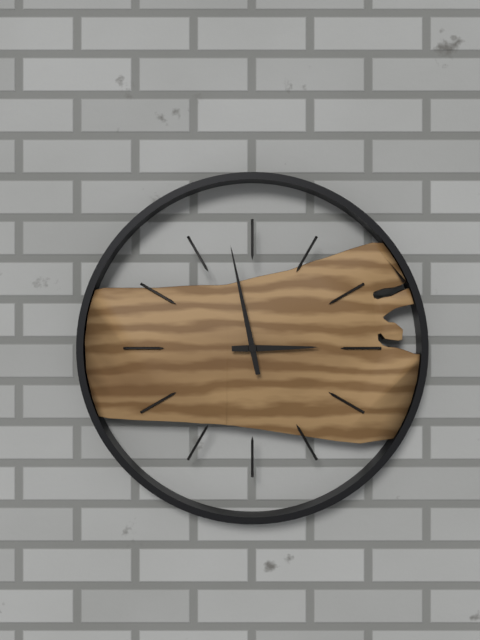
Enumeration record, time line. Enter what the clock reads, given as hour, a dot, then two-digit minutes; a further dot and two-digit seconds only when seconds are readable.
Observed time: 2.58
